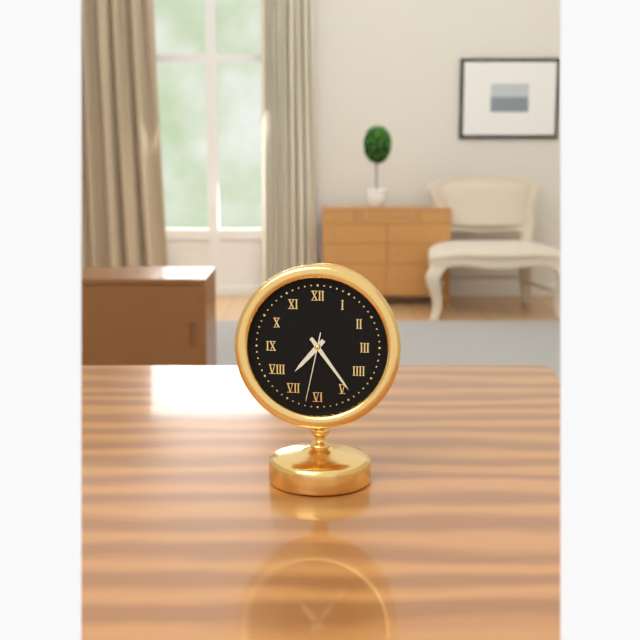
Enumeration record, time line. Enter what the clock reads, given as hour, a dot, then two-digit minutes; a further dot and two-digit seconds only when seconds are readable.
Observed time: 7.24.32
